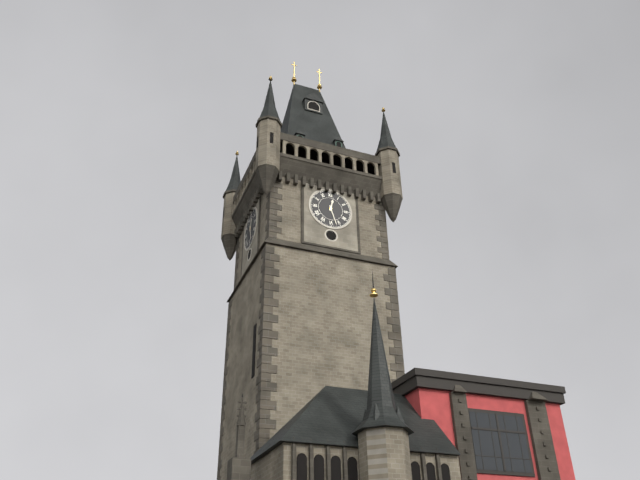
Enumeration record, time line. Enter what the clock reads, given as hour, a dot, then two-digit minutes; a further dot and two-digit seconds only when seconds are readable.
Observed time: 12.27
